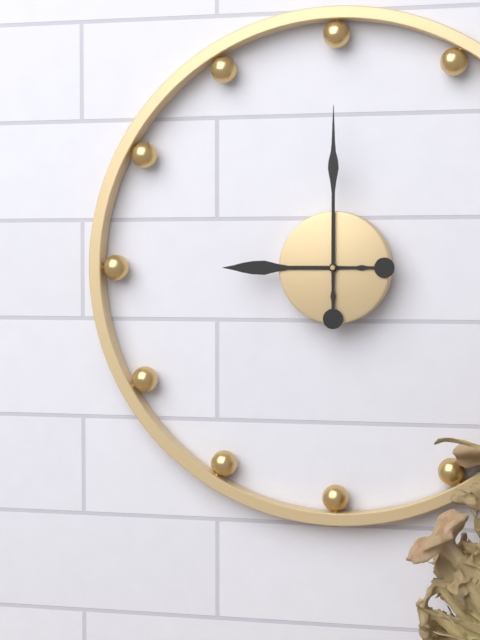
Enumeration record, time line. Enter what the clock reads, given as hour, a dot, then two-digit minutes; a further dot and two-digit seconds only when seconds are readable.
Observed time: 9.00
